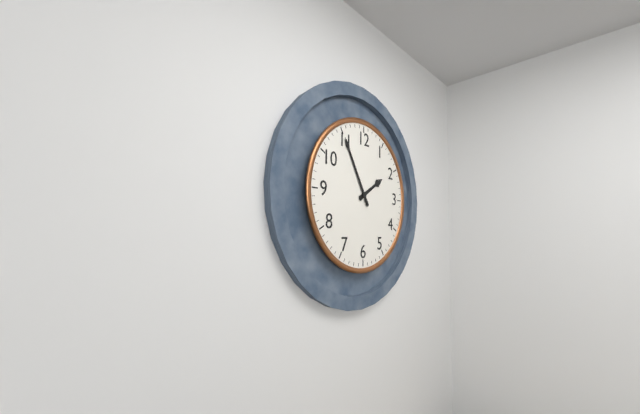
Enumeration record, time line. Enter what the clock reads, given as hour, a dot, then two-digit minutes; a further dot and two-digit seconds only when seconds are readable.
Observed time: 1.55
